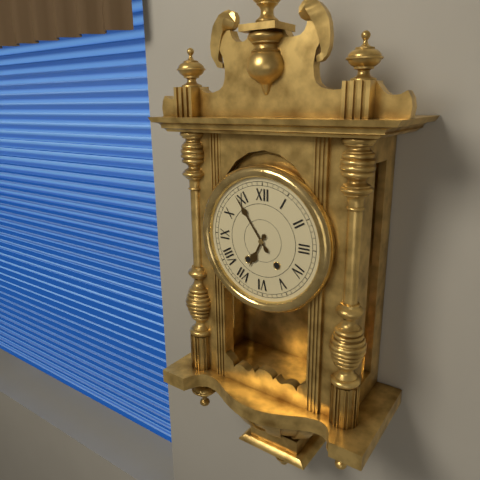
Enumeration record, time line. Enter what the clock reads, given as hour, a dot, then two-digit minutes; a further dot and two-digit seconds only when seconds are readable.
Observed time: 6.54
